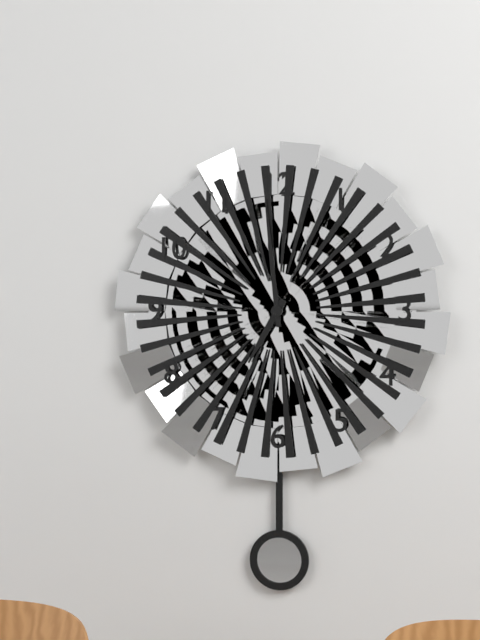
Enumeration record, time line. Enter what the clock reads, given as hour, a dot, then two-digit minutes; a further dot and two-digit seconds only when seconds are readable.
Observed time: 6.59
